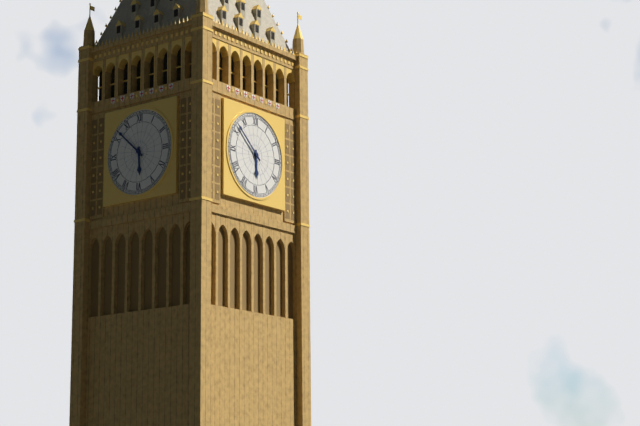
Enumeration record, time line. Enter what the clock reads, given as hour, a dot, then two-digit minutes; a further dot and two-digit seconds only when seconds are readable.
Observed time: 5.52
